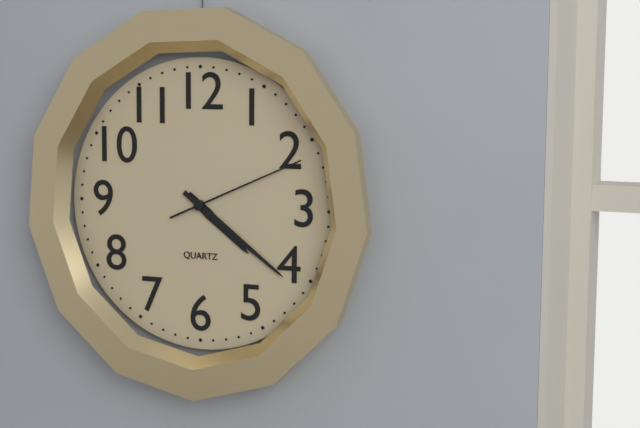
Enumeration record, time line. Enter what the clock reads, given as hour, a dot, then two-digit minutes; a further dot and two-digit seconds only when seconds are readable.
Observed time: 4.21.11
